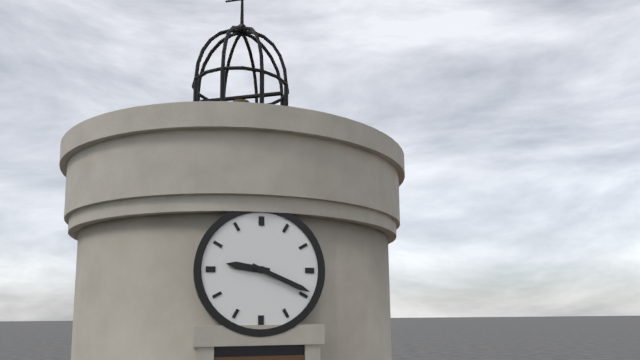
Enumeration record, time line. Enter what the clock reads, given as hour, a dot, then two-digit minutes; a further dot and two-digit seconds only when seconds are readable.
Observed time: 9.19
